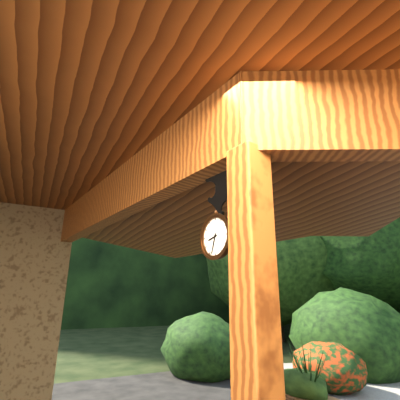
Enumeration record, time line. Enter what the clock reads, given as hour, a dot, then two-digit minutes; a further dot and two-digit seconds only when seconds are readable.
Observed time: 8.33
